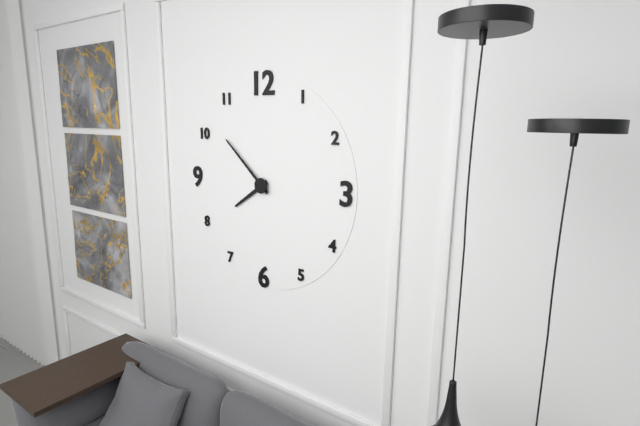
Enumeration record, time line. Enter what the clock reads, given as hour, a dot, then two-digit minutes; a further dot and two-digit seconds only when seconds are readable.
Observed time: 7.52
